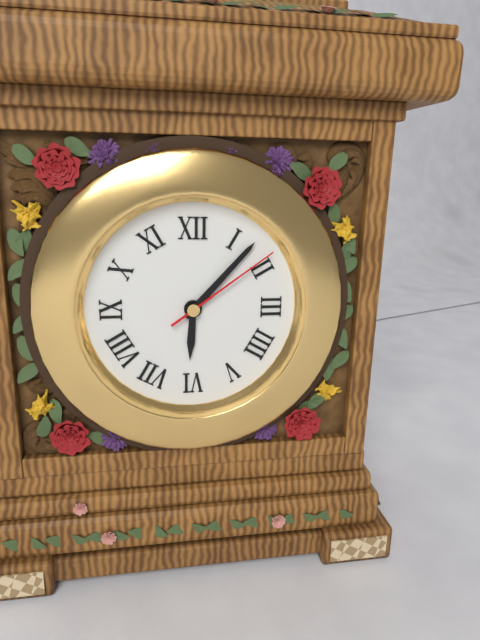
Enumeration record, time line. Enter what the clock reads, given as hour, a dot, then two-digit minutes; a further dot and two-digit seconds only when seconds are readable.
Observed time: 6.07.09
